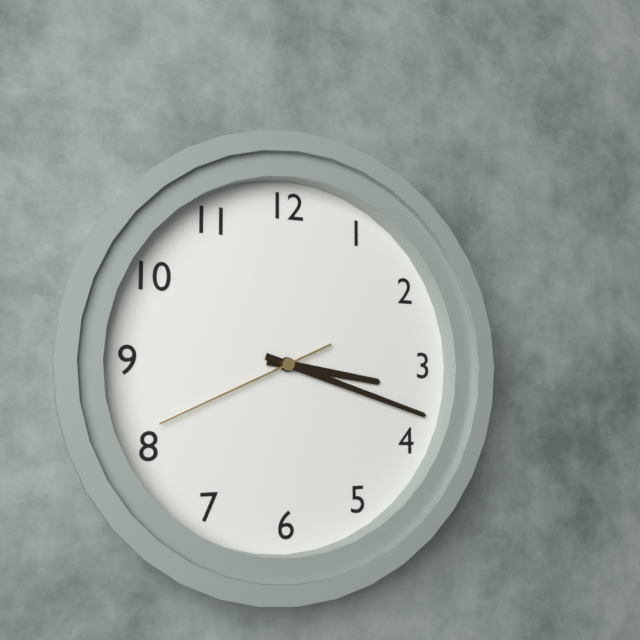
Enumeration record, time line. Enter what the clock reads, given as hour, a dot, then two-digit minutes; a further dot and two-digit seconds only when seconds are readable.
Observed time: 3.18.41
